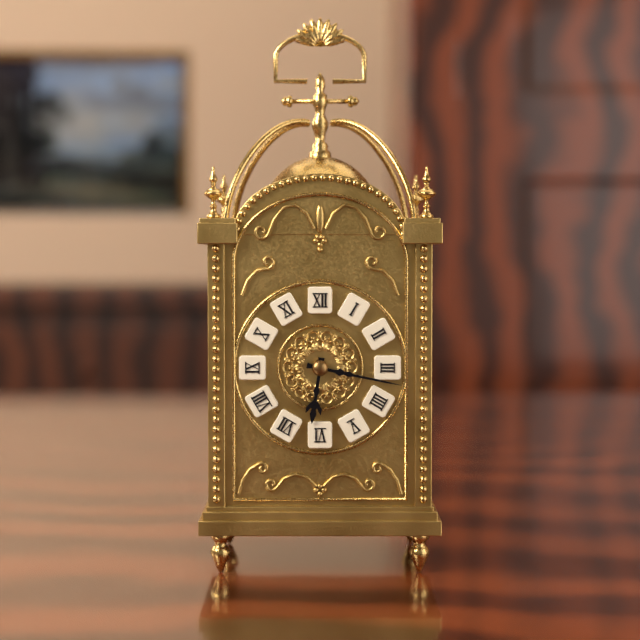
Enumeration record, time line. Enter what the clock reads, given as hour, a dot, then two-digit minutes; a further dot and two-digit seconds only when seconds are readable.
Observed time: 6.17
